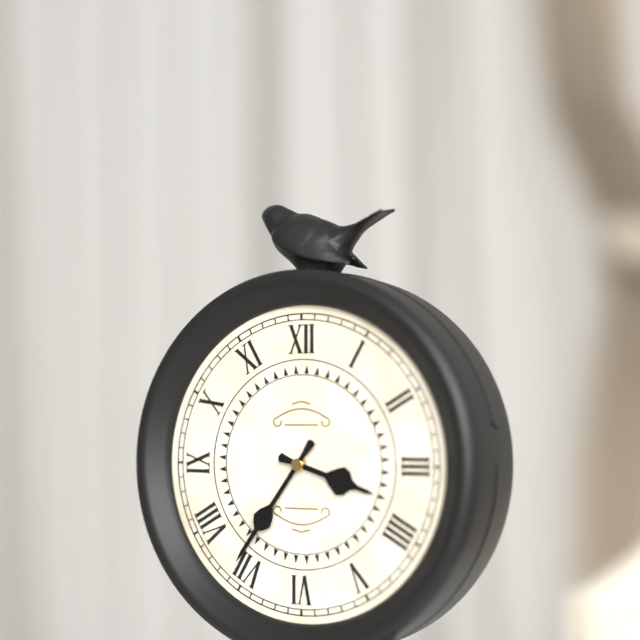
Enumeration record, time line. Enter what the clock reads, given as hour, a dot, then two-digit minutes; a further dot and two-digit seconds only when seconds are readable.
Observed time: 3.36
